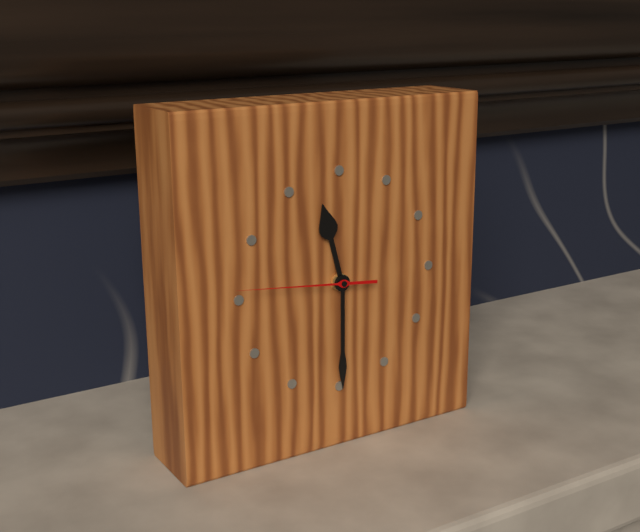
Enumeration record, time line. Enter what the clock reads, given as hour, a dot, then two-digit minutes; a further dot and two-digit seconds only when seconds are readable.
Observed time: 11.30.46
